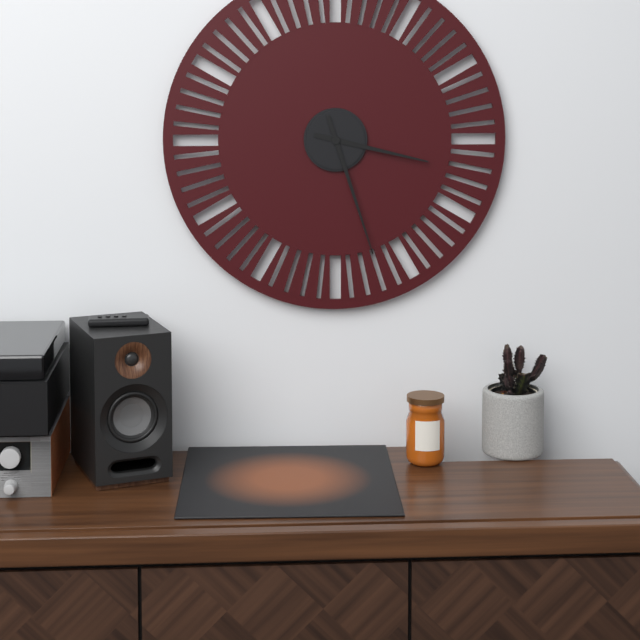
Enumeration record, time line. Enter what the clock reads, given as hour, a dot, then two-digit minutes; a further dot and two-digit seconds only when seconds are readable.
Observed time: 3.27
